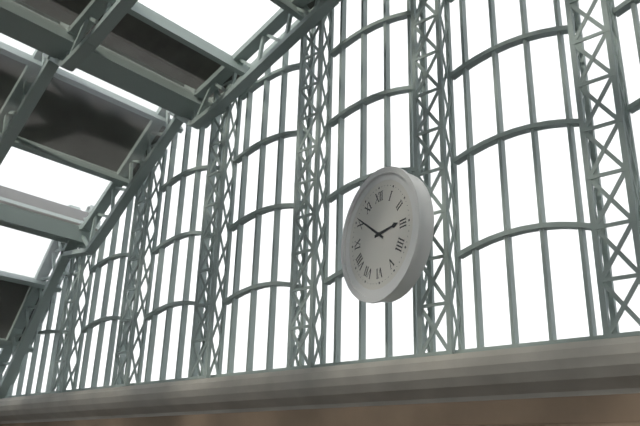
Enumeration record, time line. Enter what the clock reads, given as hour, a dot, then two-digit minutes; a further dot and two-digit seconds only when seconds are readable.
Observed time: 2.51
